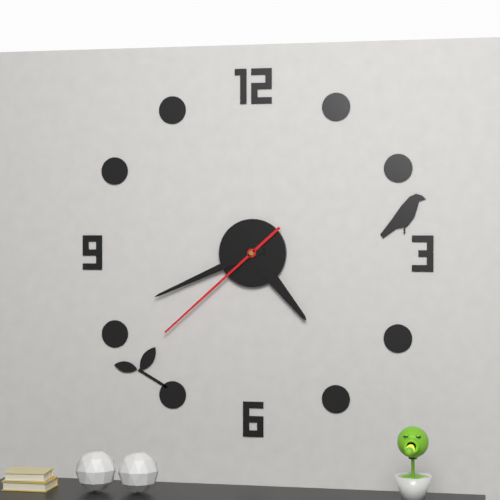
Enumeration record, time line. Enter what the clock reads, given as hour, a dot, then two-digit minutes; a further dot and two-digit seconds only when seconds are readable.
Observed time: 4.41.38
